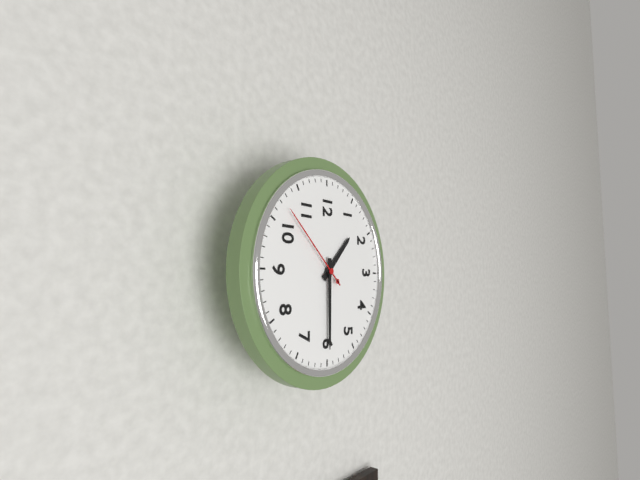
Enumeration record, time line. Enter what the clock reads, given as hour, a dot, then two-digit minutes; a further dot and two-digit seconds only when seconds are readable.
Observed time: 1.30.52
